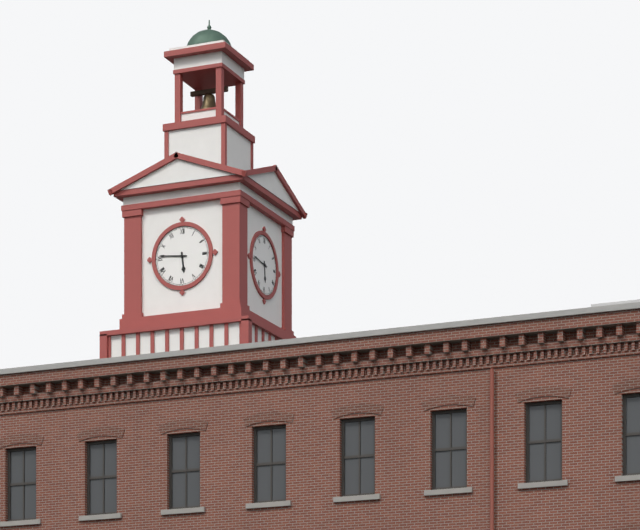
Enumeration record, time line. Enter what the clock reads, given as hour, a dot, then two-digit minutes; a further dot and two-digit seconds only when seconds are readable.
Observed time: 5.46
